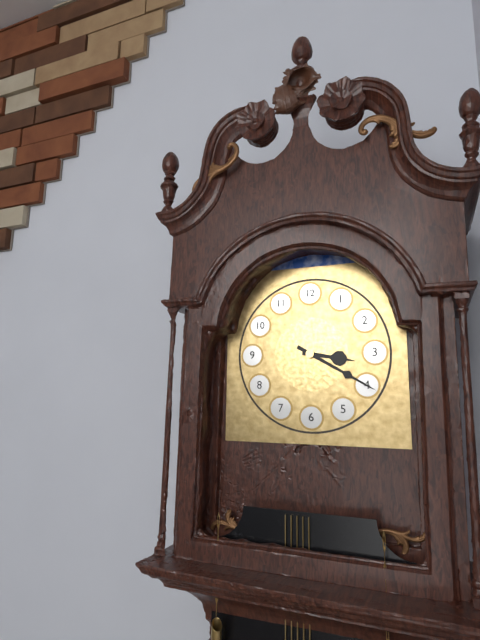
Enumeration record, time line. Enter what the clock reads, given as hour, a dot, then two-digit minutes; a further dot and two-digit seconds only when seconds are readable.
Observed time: 3.20
